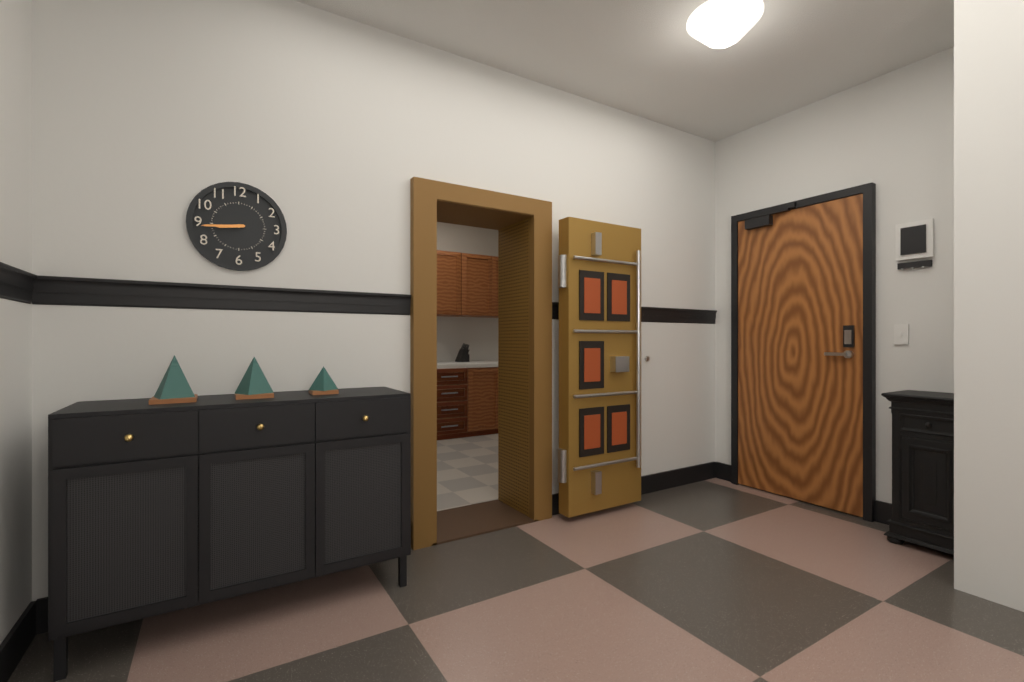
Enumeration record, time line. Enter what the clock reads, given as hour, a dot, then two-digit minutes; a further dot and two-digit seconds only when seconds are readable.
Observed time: 8.44
